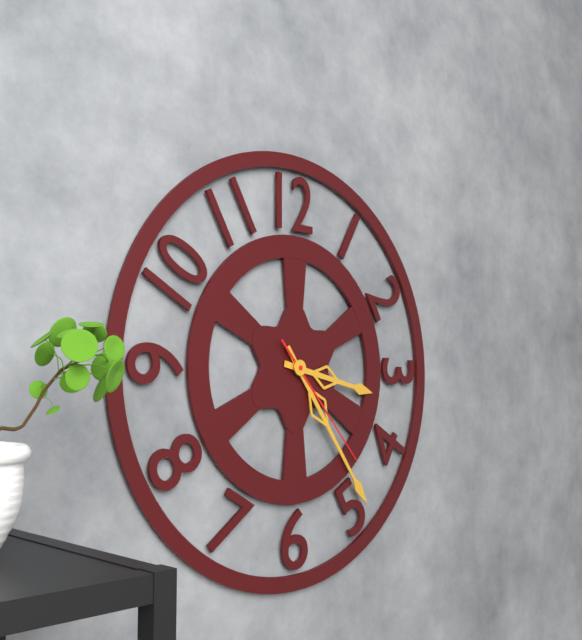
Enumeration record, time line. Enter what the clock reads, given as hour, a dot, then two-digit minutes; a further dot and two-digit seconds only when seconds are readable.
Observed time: 3.24.23
